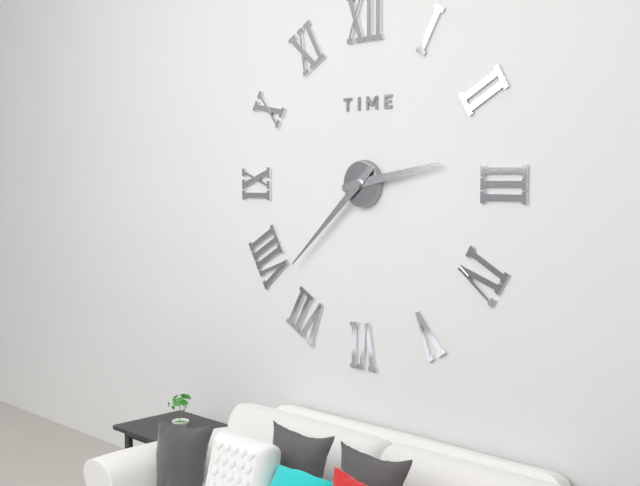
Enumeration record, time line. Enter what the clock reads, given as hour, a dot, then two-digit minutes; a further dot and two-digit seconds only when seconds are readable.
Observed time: 2.38
